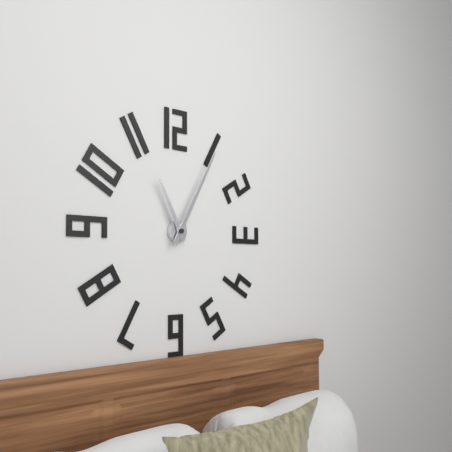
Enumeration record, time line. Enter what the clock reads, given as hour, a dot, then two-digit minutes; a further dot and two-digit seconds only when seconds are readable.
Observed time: 11.05
